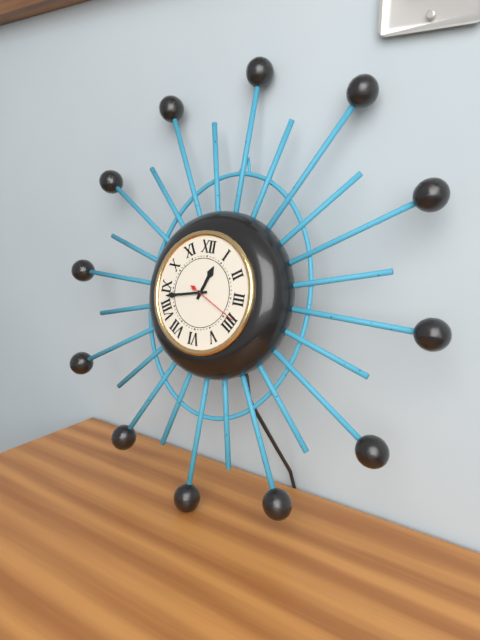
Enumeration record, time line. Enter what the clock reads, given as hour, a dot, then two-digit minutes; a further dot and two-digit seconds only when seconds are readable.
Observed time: 12.43.19
